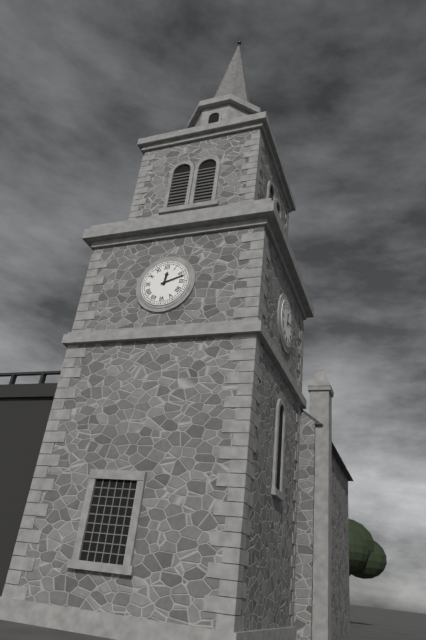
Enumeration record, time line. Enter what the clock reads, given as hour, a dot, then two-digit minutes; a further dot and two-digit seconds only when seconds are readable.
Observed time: 12.12
